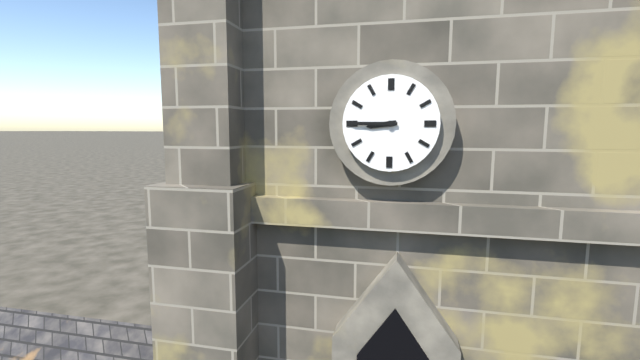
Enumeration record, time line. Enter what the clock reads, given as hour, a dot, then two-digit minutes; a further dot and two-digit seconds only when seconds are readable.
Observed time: 8.45
